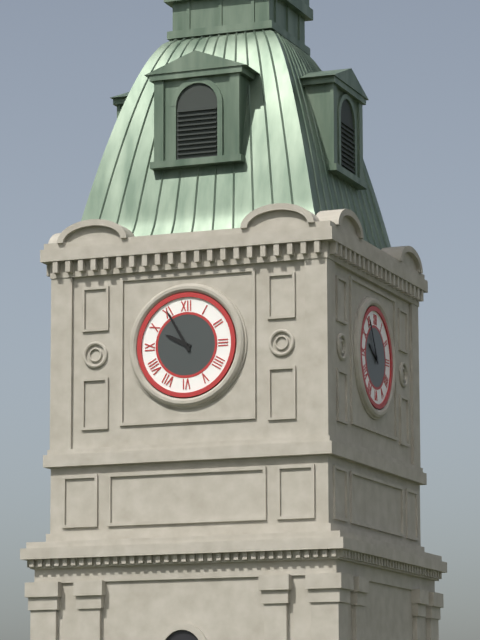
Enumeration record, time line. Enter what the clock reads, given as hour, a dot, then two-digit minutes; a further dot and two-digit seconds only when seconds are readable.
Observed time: 9.55
